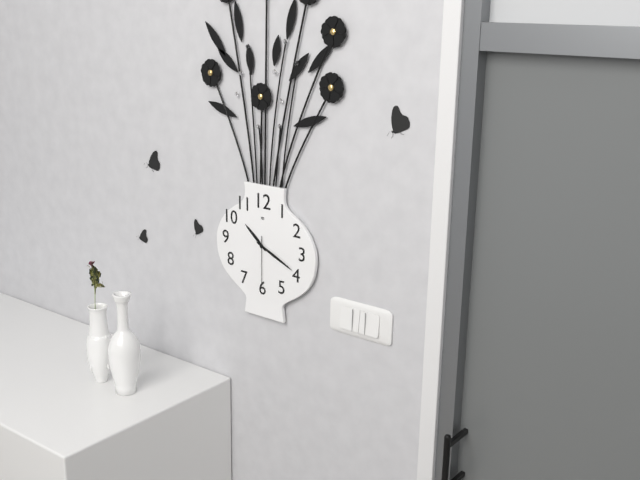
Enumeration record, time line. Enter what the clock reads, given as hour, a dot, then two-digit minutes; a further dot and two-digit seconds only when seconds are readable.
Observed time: 10.19.30
